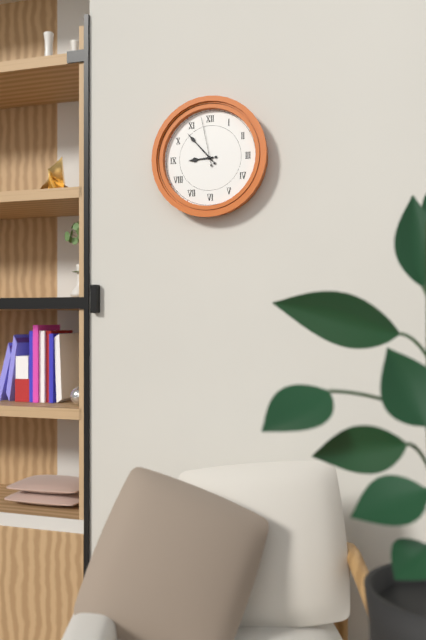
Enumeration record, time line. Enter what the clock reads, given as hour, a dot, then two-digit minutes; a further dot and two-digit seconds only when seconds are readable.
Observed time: 8.53.58
